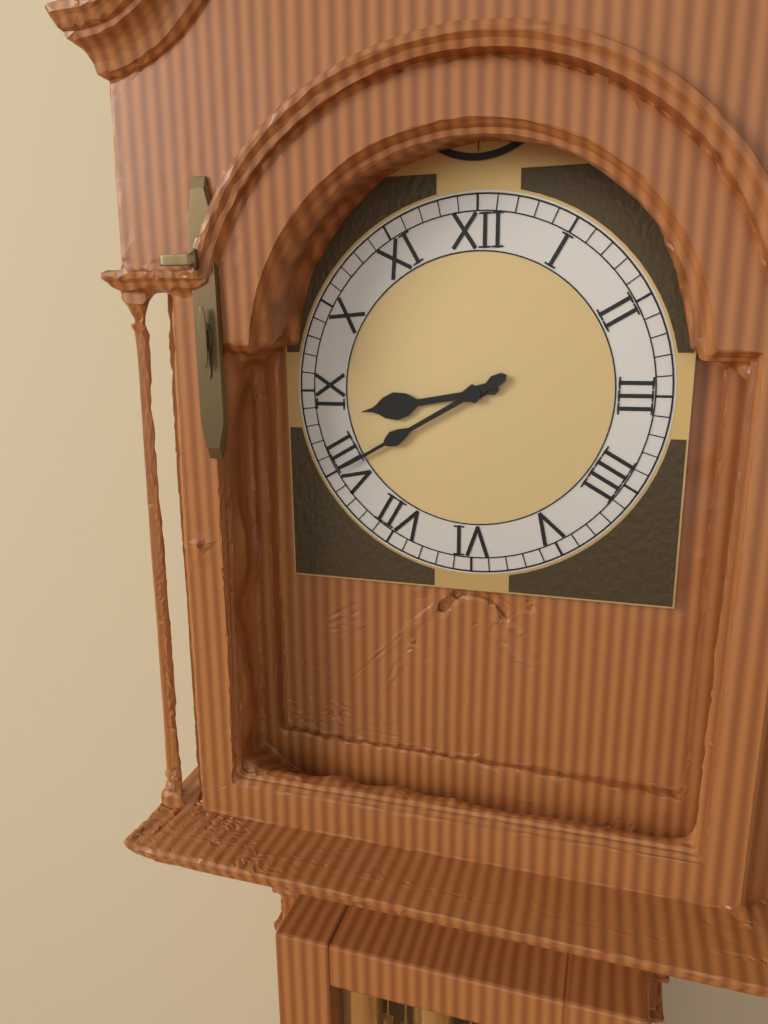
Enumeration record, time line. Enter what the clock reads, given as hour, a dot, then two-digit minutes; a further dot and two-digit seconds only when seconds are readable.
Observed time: 8.40
